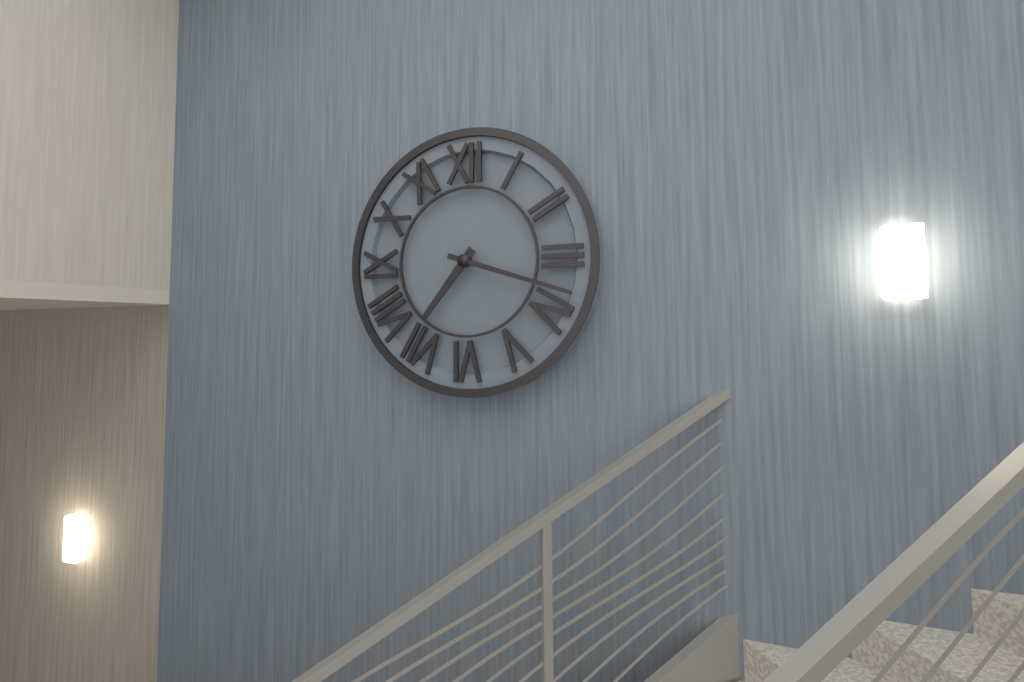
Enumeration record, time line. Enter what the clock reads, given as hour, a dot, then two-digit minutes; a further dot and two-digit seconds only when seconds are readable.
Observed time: 7.18
